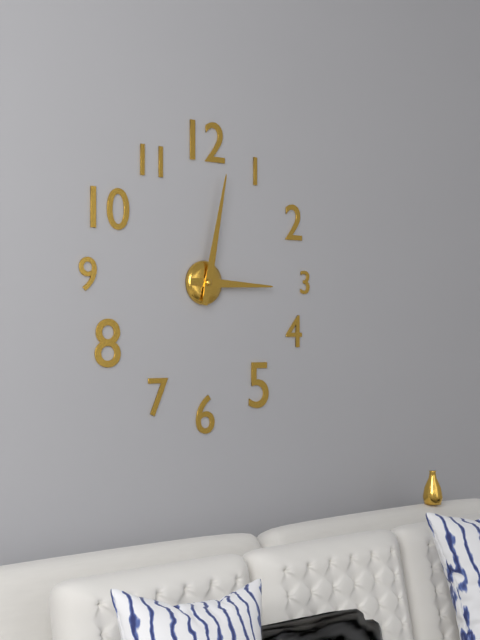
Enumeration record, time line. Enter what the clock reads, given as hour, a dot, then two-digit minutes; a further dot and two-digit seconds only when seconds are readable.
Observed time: 3.02
